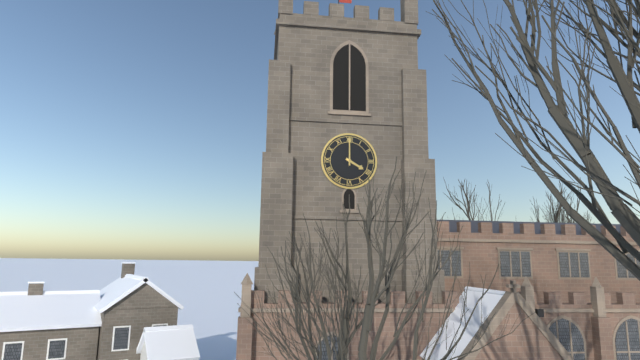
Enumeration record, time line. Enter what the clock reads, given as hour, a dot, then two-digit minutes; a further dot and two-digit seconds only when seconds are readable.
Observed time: 4.00
